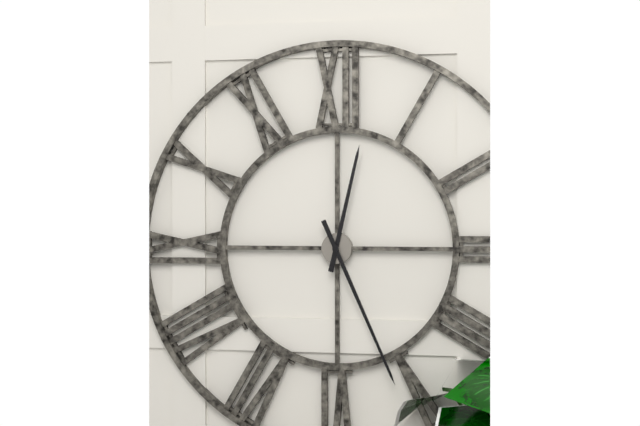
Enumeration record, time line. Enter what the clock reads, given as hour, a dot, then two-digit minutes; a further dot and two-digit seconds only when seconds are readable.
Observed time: 12.26
